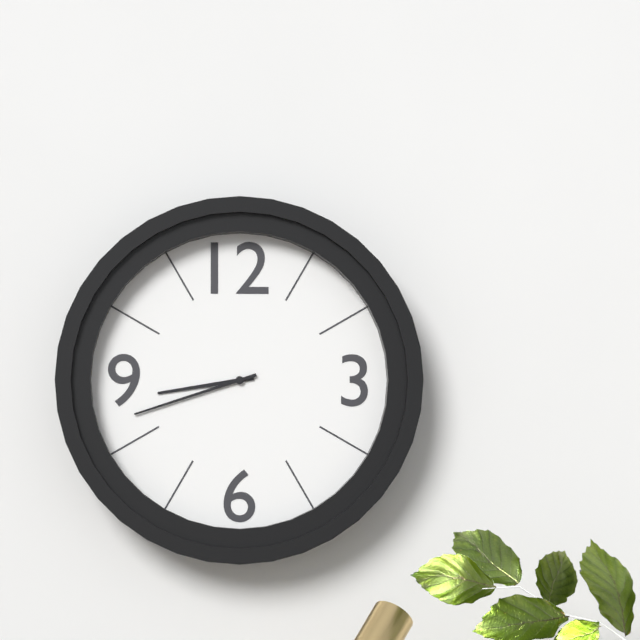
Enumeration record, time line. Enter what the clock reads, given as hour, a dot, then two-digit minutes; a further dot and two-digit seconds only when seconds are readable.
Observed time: 8.42
